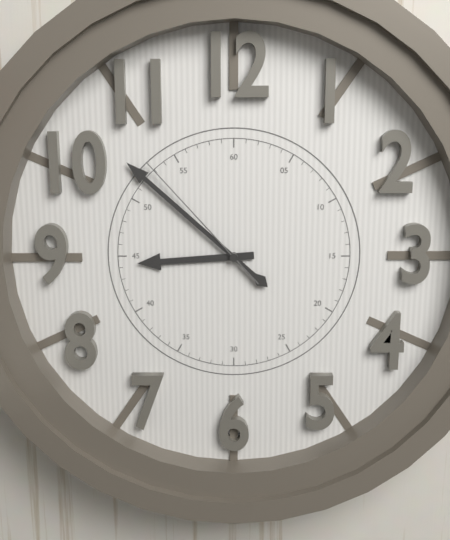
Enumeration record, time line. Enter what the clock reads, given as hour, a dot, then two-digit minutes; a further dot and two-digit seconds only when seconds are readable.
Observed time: 8.52.53
